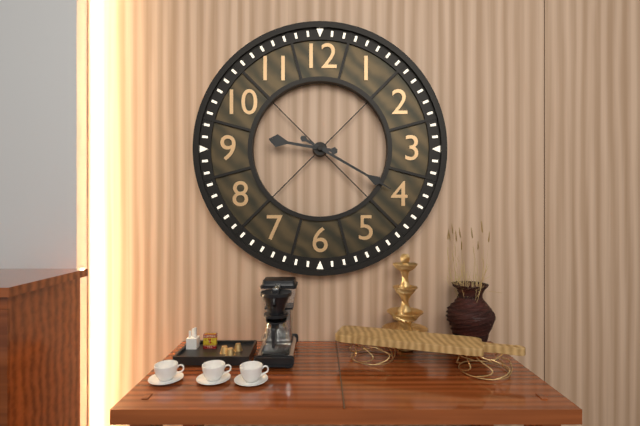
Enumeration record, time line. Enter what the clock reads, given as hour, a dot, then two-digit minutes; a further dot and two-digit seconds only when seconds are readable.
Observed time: 9.20
